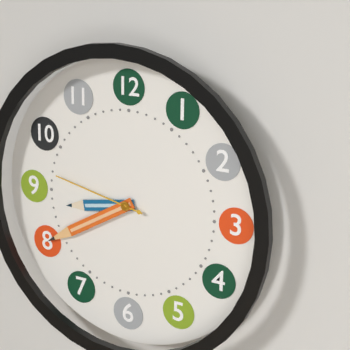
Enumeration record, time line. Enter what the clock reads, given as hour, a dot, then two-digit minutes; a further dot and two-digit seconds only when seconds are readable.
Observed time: 8.40.47
